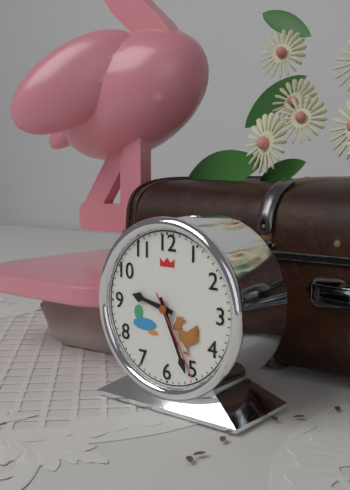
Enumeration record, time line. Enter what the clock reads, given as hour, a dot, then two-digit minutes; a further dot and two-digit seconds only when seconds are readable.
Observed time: 9.26.25
